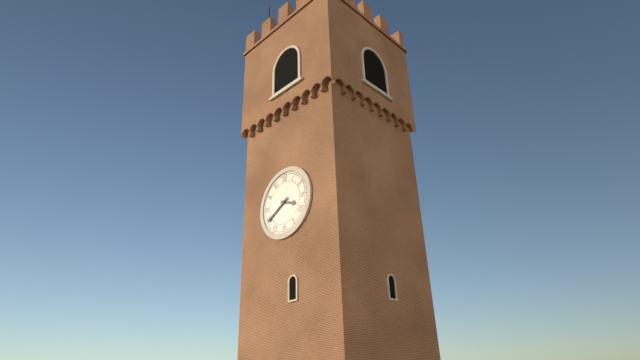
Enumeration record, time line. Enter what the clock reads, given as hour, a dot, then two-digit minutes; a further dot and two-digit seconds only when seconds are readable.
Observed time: 3.40
